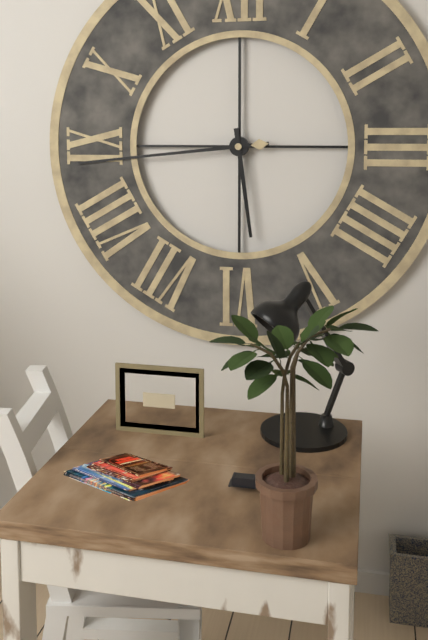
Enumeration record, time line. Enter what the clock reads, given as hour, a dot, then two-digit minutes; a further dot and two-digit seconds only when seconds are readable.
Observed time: 5.44
